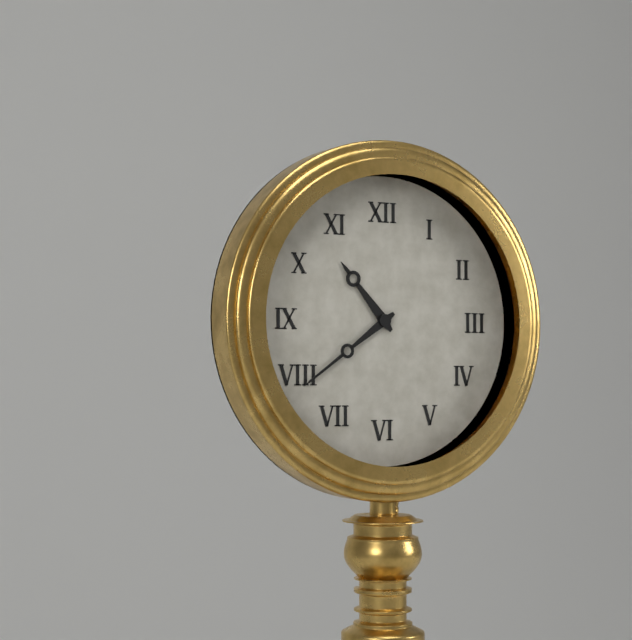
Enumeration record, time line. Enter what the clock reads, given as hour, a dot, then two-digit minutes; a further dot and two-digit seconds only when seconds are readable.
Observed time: 10.39
